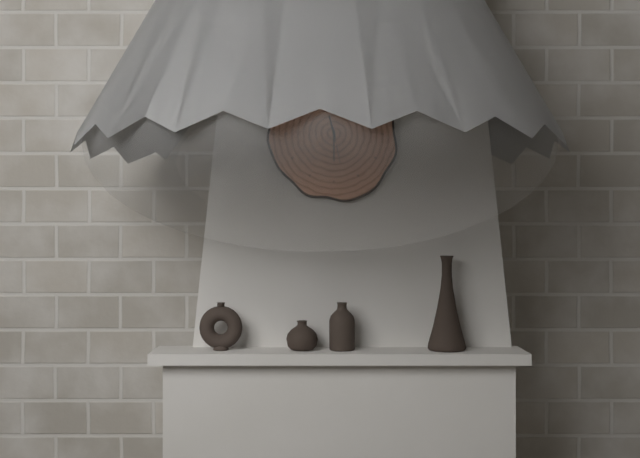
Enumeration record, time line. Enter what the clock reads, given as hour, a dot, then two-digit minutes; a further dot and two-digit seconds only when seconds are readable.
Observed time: 11.30
